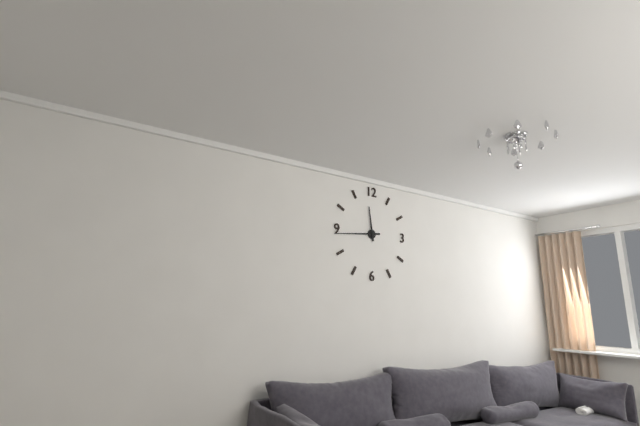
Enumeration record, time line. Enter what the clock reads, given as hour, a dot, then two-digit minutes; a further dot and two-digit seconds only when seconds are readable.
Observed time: 11.44
